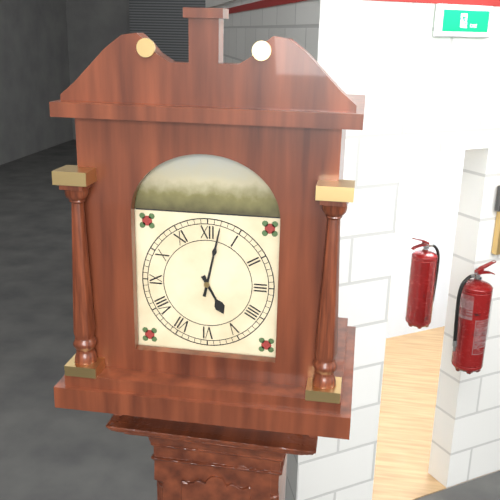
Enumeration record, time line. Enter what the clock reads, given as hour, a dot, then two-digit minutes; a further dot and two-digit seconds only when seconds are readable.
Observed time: 5.02
